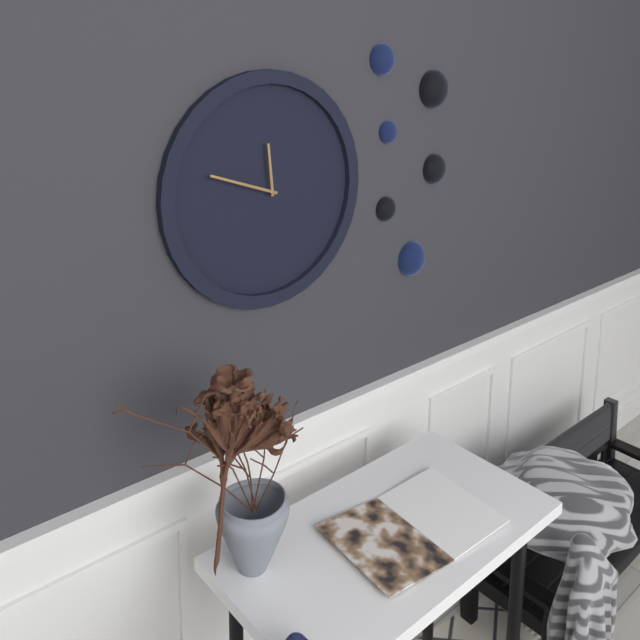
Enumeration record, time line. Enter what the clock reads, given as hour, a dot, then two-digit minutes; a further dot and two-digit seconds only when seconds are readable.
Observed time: 11.48
